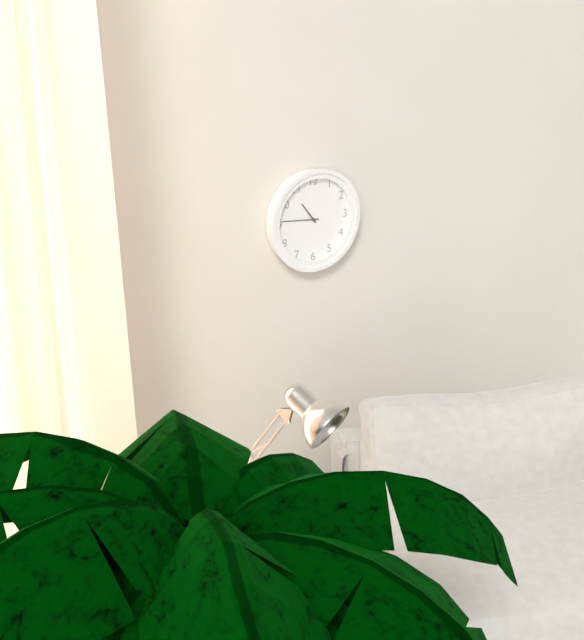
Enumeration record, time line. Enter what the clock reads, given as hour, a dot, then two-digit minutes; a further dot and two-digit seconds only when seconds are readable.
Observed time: 10.46
